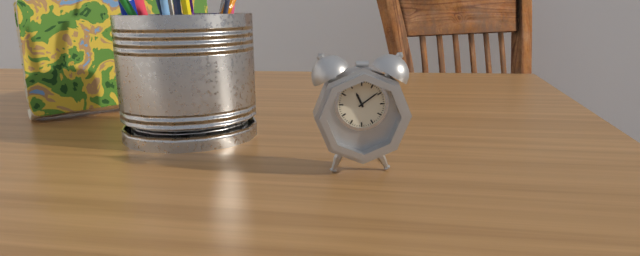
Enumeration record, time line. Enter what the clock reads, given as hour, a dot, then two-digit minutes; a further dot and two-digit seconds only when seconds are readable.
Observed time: 11.09
